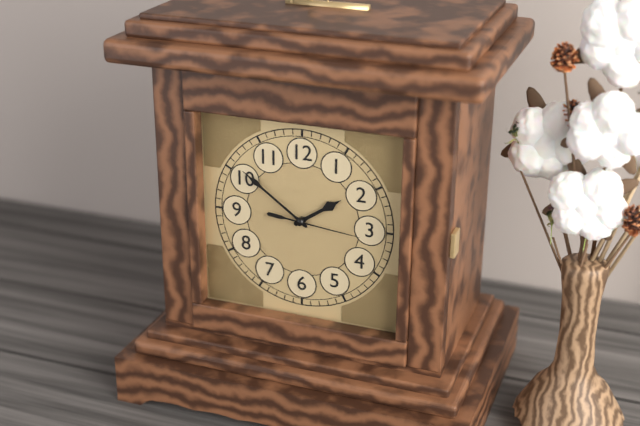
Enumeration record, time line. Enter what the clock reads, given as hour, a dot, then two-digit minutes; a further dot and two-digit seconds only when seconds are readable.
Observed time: 1.51.16
